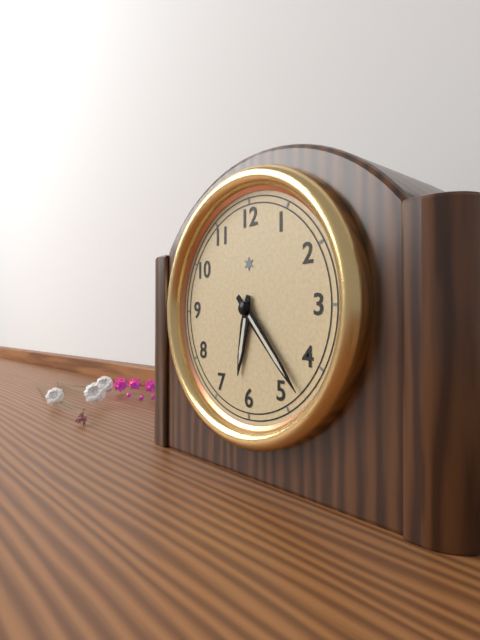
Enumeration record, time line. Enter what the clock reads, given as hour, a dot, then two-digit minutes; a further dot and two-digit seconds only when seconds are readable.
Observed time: 6.23
